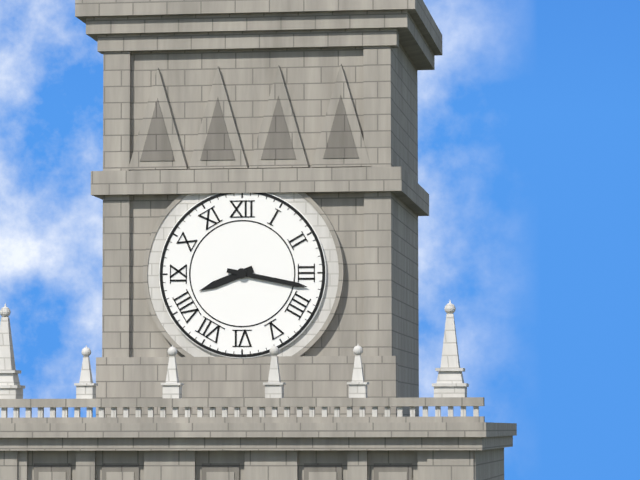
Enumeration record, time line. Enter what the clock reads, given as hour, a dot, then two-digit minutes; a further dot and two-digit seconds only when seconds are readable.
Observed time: 8.17
